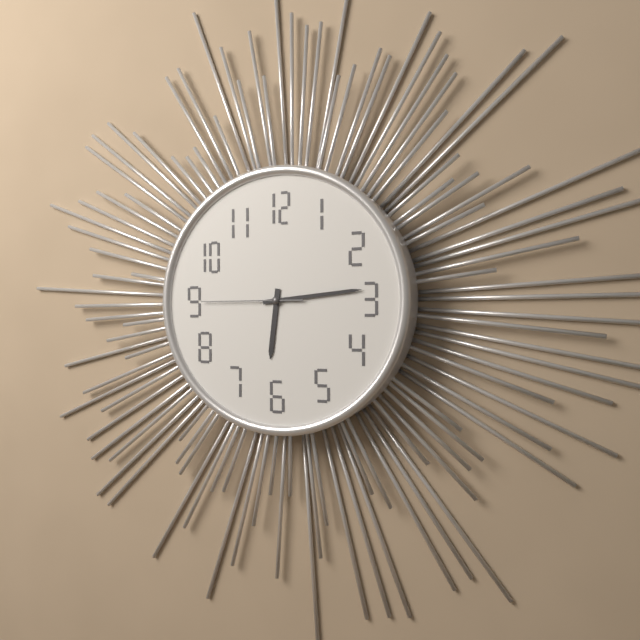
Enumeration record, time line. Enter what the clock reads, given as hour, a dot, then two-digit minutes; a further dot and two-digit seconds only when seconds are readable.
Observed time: 6.14.45
